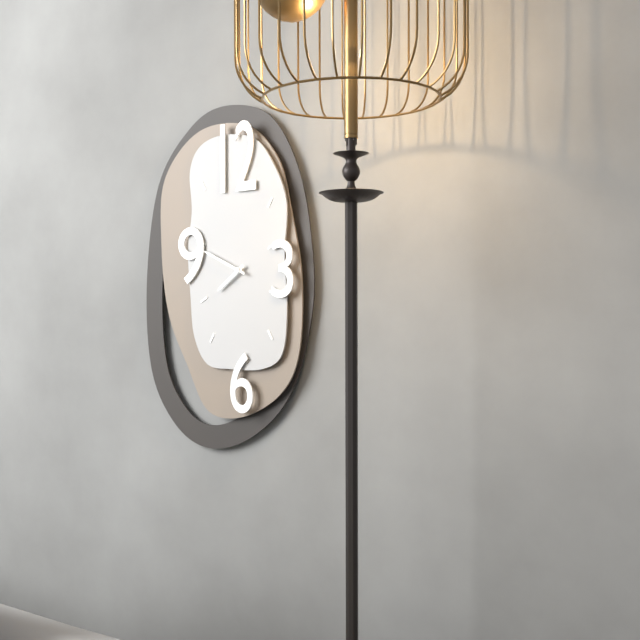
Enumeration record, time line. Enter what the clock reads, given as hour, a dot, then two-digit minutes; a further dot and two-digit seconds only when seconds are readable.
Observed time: 7.49
